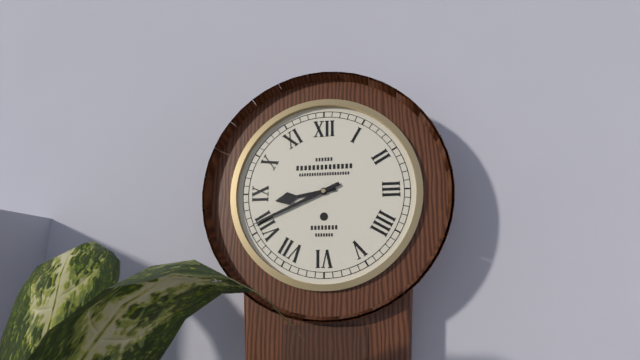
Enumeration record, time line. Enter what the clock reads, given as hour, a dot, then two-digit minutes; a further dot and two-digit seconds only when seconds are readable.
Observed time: 8.41
